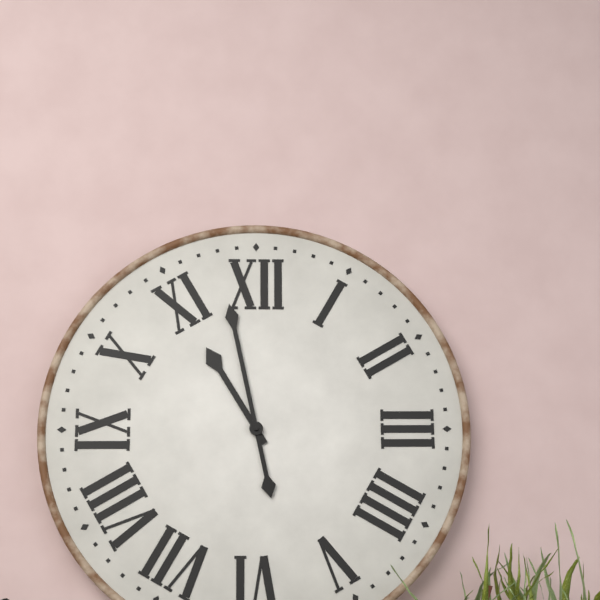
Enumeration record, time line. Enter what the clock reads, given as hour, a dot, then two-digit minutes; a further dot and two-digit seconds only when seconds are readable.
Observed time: 10.58
